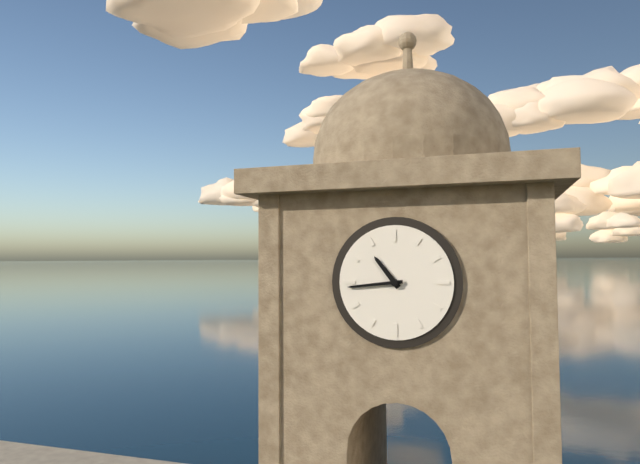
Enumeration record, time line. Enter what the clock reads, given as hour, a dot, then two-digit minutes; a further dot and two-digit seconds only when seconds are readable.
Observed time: 10.44
